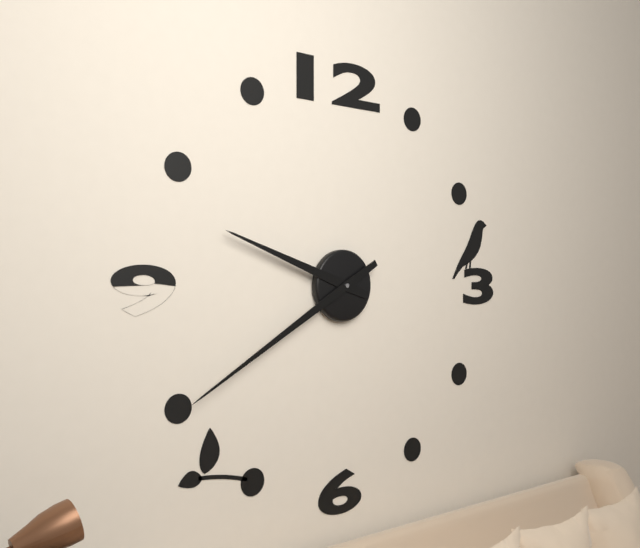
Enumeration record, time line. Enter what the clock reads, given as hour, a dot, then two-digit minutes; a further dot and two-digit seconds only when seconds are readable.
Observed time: 9.40
